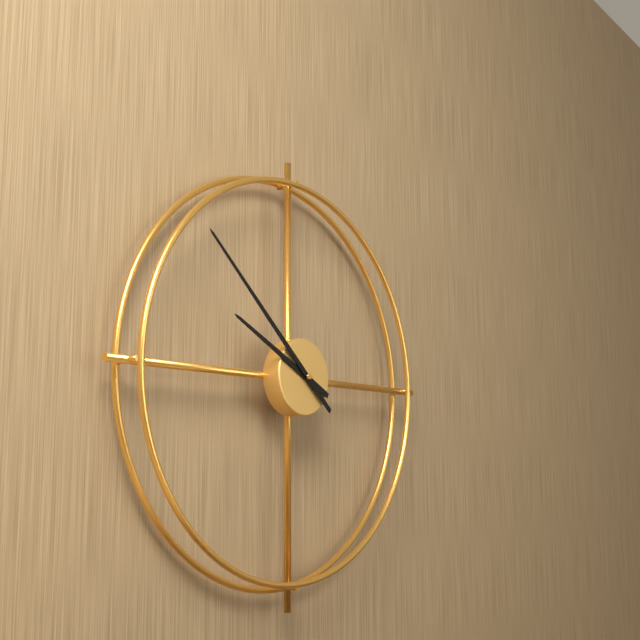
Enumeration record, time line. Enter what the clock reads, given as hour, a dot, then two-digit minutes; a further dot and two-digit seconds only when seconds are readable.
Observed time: 9.52
